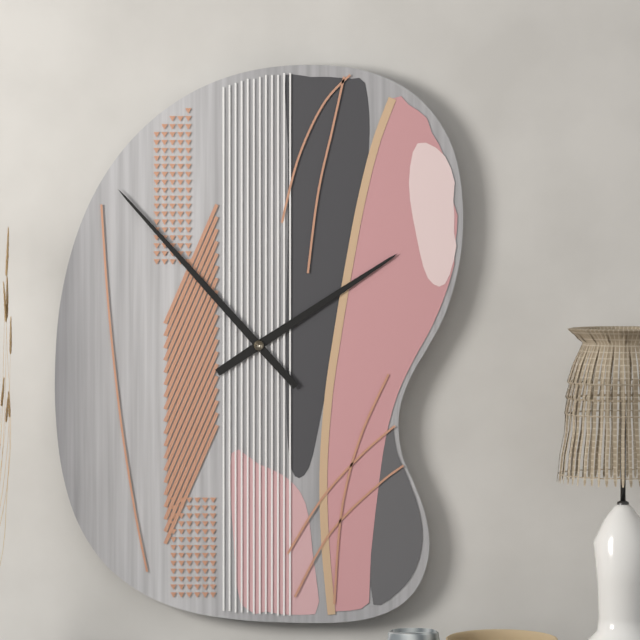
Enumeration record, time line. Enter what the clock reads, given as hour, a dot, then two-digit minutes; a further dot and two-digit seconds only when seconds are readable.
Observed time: 1.53
